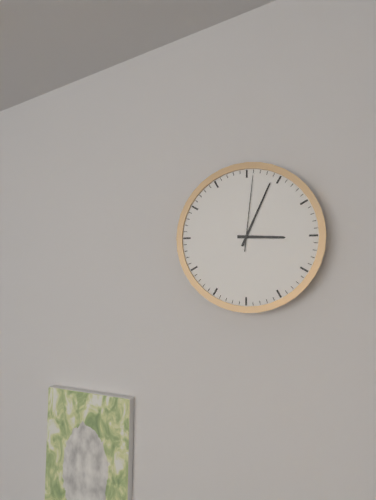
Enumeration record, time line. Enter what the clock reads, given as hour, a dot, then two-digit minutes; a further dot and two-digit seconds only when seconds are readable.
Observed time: 3.04.01
